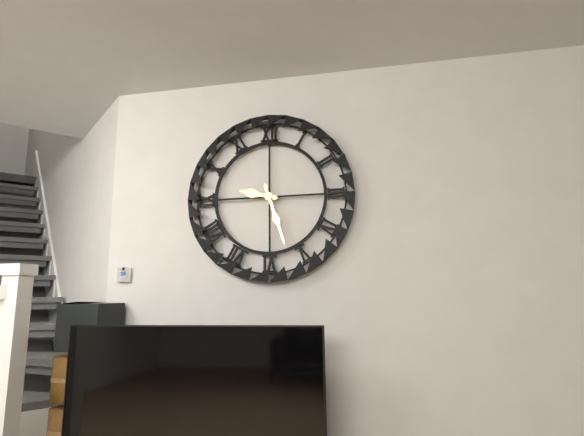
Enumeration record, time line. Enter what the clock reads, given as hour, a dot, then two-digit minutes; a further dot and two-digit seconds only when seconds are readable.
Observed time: 9.27
